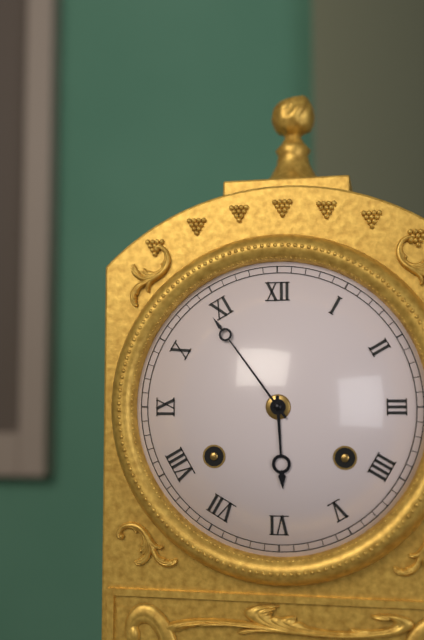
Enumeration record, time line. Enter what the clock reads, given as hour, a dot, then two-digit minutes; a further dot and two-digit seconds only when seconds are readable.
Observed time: 5.54
